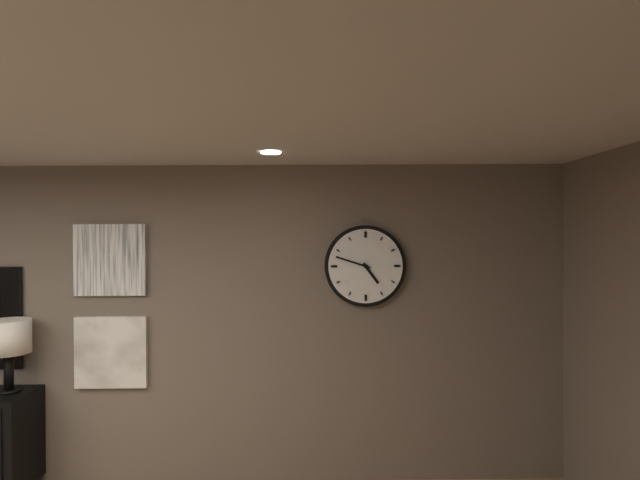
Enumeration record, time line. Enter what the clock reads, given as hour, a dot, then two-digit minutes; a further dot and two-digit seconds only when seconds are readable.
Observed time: 4.48
